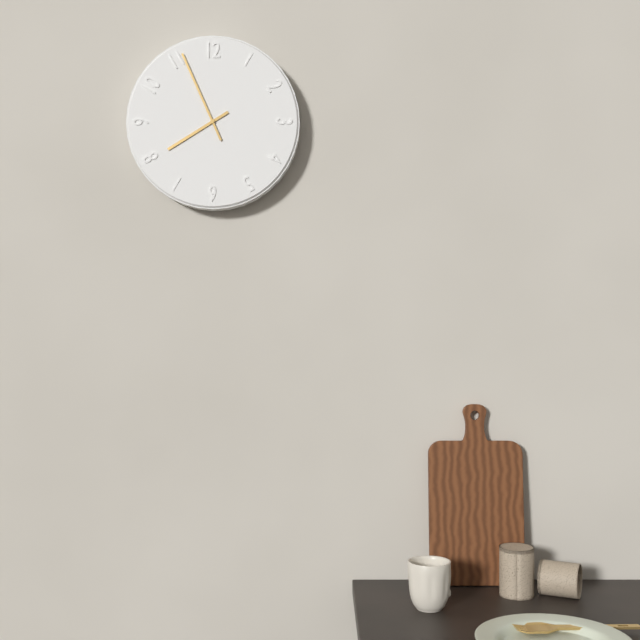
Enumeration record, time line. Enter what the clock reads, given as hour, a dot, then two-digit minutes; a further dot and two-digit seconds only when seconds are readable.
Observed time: 7.56
